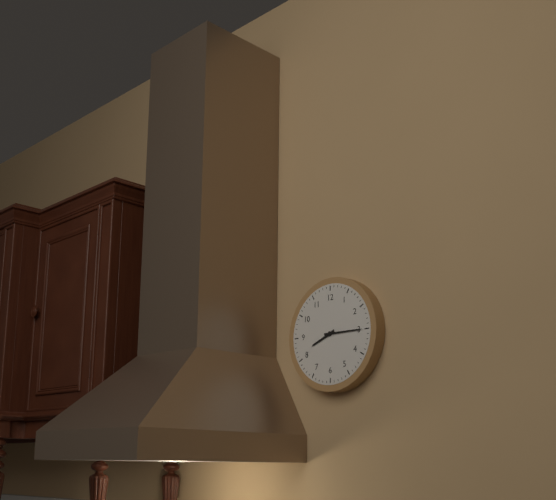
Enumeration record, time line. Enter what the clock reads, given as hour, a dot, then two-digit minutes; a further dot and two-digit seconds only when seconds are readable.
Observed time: 8.15
